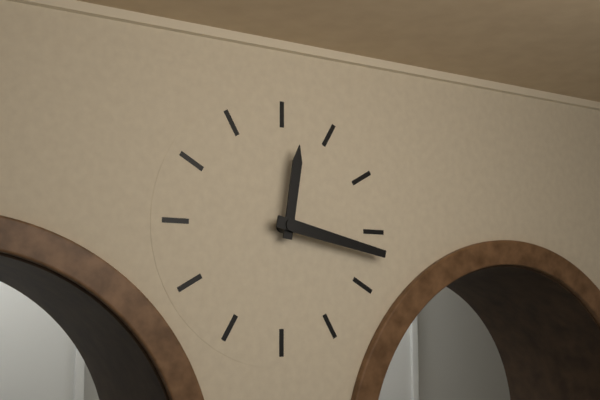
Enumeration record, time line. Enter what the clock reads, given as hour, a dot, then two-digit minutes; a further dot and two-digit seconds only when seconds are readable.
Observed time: 12.17
